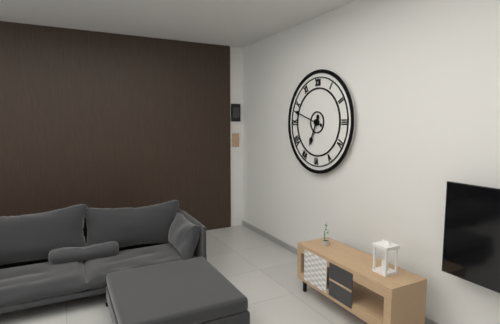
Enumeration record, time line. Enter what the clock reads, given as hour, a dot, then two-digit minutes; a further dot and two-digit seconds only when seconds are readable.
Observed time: 6.48
